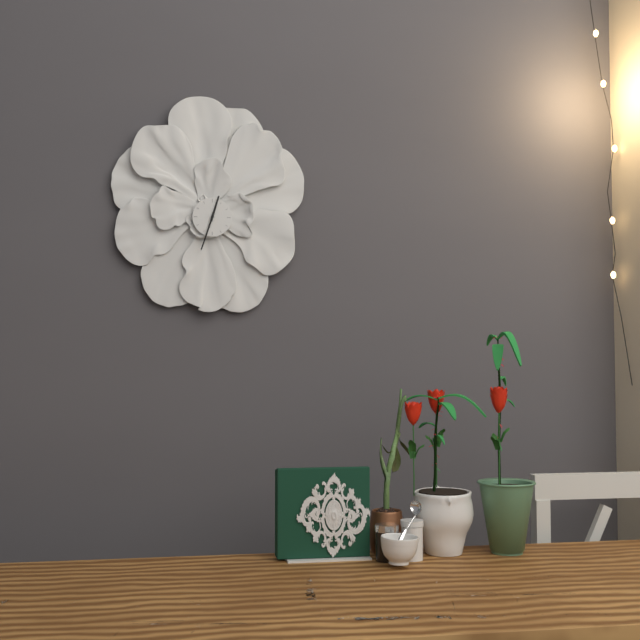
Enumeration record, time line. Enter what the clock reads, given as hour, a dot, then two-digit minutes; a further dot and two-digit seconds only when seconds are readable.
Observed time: 12.33
